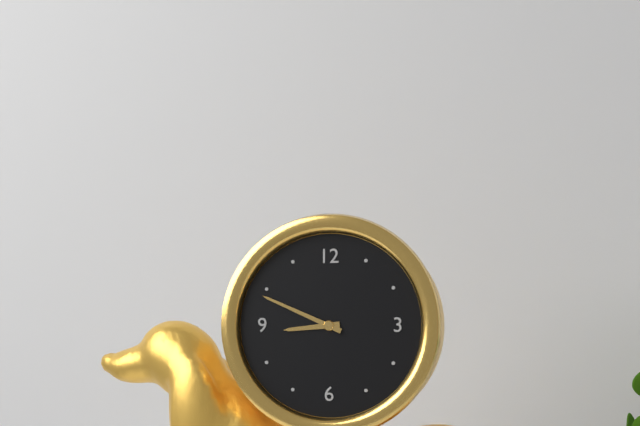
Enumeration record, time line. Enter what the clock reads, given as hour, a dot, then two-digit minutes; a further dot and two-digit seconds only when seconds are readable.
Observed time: 8.49
